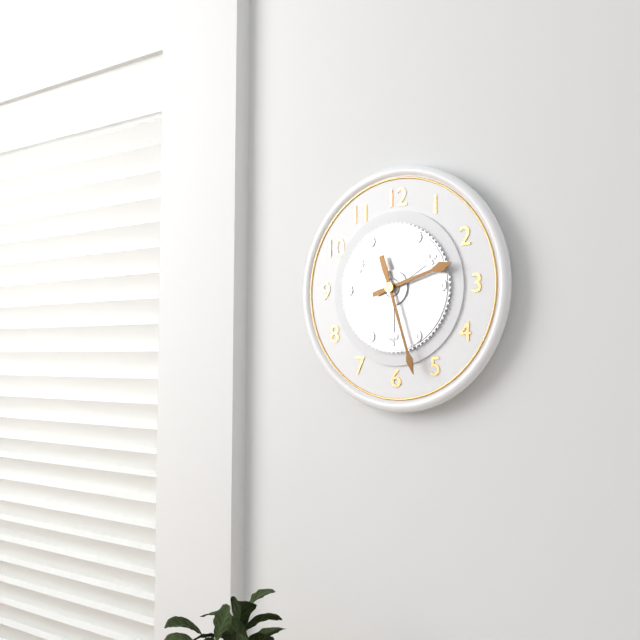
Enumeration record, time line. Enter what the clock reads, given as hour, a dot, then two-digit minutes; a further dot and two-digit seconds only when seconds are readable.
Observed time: 2.27
